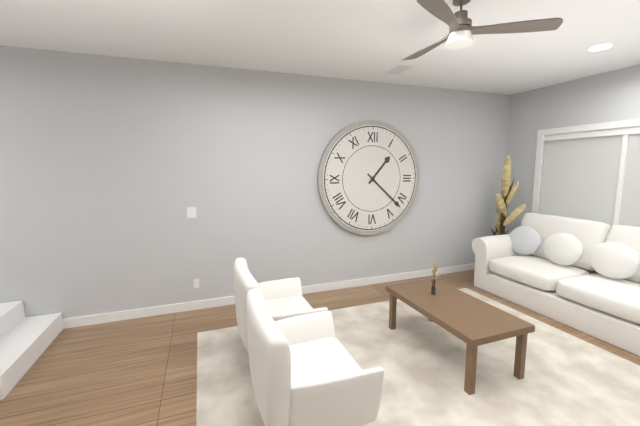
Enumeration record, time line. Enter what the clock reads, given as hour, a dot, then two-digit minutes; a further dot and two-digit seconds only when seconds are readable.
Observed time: 1.22
